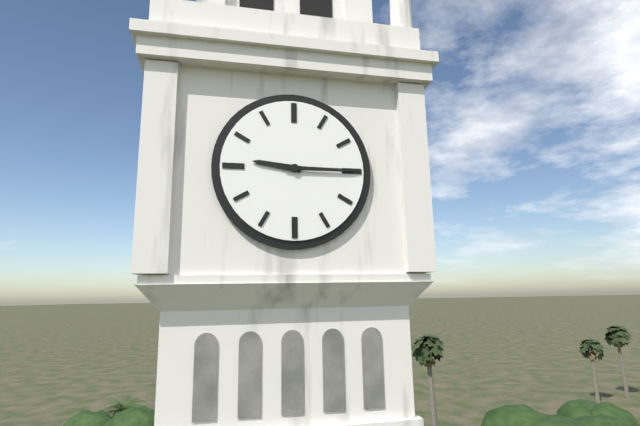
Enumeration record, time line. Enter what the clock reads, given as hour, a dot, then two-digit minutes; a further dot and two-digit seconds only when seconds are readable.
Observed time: 9.15
